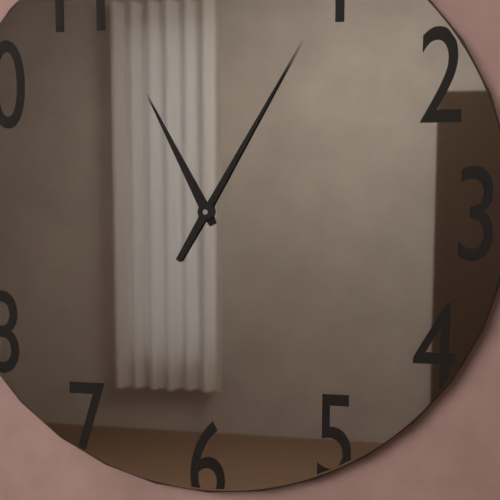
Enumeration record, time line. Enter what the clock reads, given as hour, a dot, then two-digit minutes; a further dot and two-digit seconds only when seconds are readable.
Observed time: 11.05
